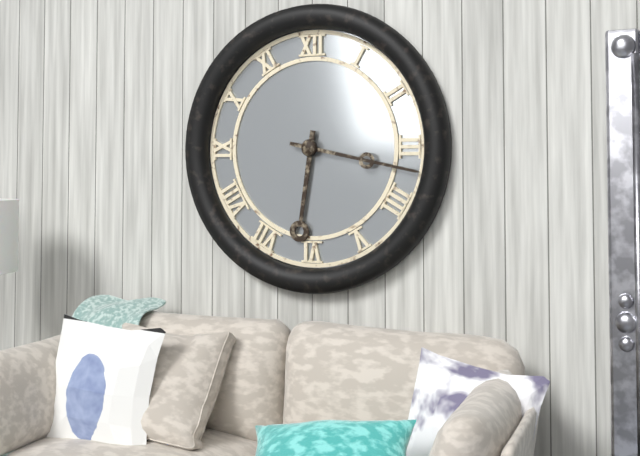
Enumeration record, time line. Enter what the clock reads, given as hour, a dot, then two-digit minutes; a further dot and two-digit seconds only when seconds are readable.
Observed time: 6.17
